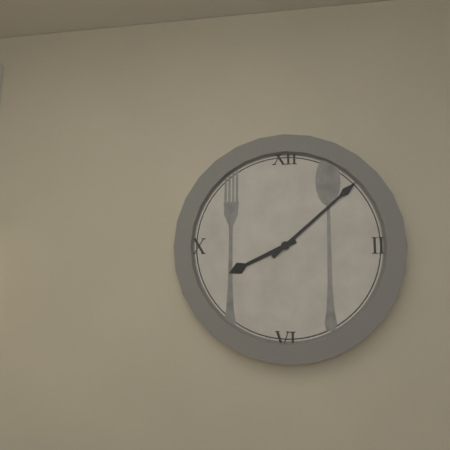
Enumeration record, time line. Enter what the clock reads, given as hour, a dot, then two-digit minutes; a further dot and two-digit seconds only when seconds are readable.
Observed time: 8.08
